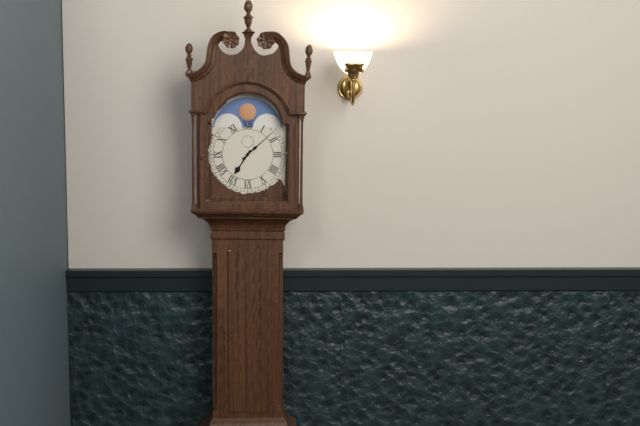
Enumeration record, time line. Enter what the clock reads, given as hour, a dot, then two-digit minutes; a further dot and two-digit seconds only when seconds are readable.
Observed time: 7.08
